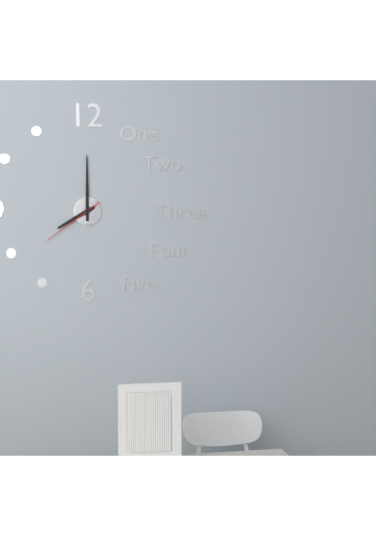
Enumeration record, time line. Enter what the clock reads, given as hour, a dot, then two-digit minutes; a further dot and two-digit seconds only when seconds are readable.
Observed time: 8.00.39
